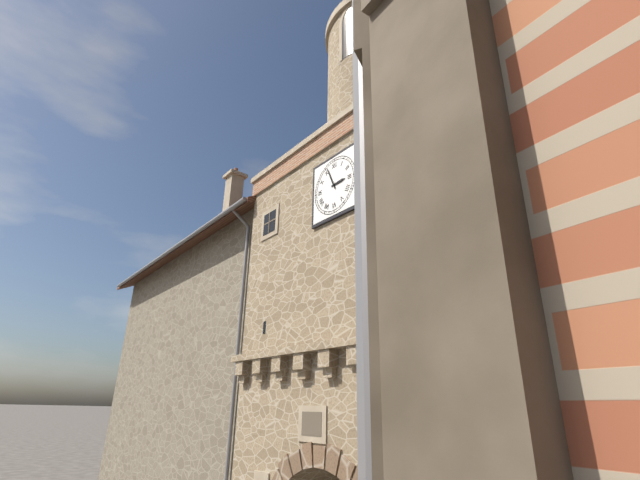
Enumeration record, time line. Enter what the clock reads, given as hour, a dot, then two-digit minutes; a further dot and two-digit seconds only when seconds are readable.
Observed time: 2.56
